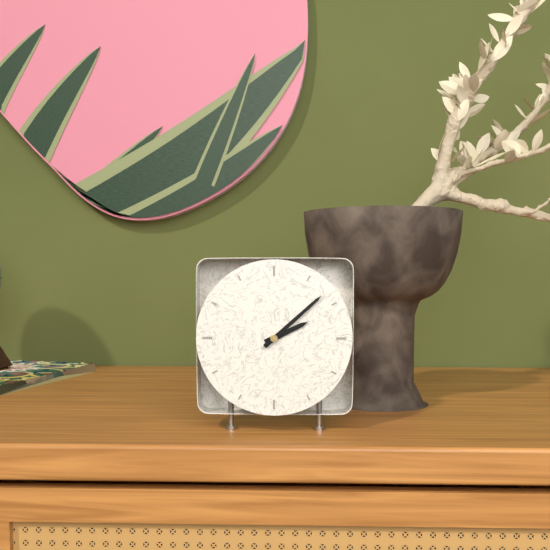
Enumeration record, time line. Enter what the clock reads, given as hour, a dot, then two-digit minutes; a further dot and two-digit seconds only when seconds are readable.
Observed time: 2.08
